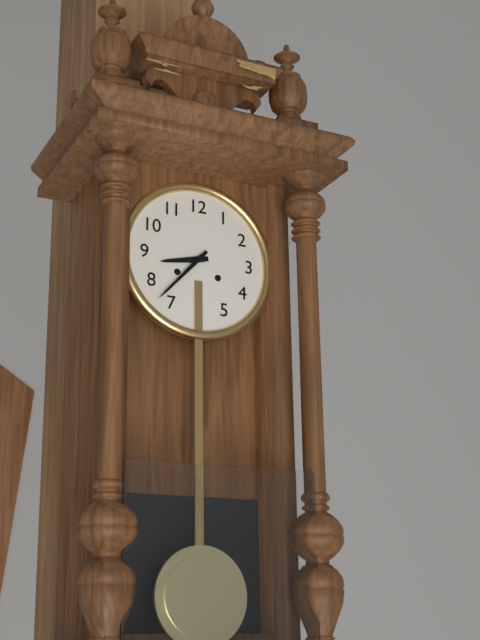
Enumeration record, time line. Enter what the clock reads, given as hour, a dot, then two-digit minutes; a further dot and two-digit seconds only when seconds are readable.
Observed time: 8.37
